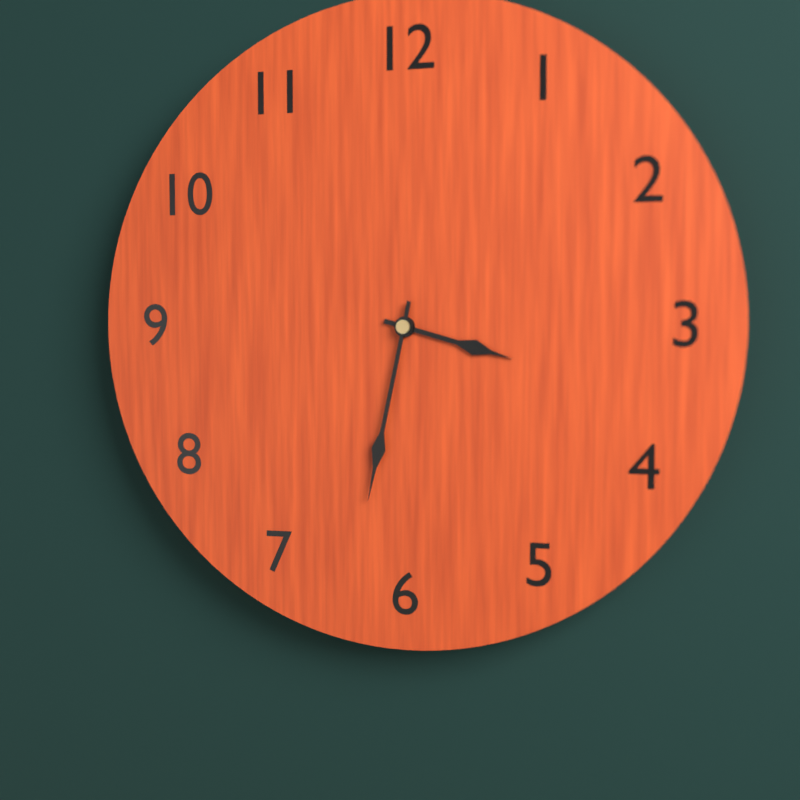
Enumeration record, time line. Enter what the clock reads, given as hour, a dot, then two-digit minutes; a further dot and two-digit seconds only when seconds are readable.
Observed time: 3.32
